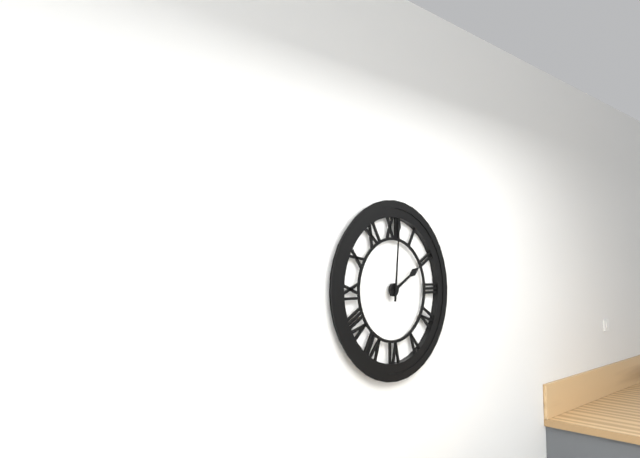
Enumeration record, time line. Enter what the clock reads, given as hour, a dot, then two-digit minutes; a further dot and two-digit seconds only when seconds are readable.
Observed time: 2.01
